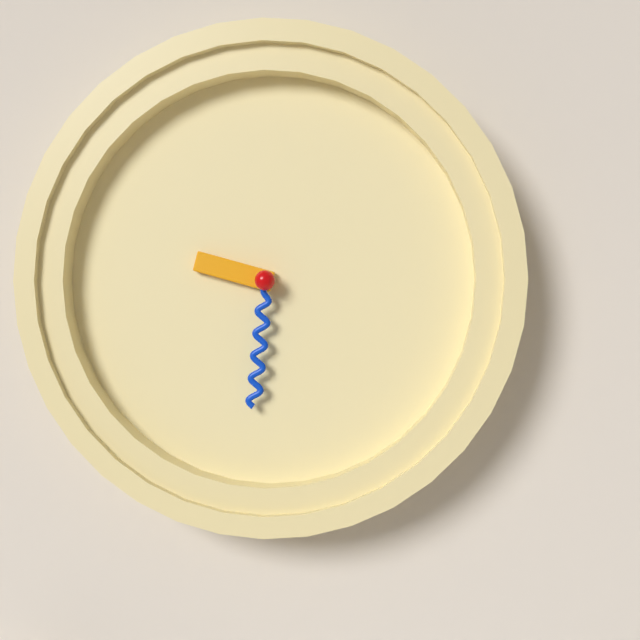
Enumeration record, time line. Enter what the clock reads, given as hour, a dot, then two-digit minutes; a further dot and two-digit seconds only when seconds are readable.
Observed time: 9.31
